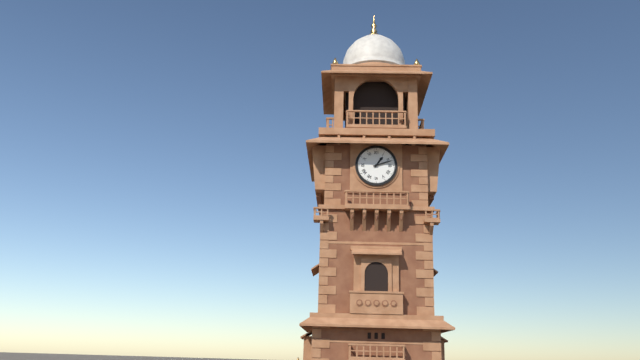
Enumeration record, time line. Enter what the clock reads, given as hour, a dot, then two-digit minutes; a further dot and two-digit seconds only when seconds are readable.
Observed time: 1.12
